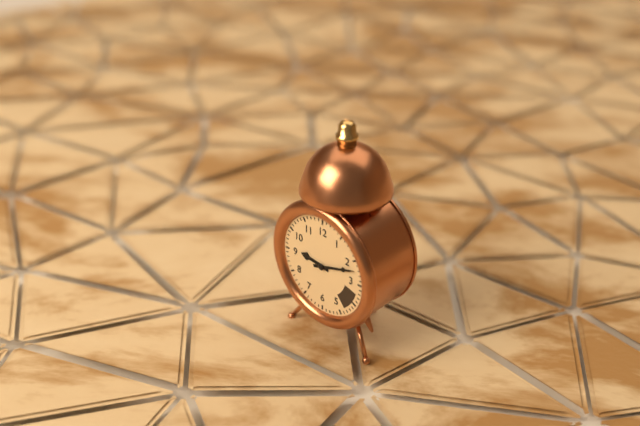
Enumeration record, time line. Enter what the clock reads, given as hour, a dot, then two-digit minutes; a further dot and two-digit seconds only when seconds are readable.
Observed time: 9.12
